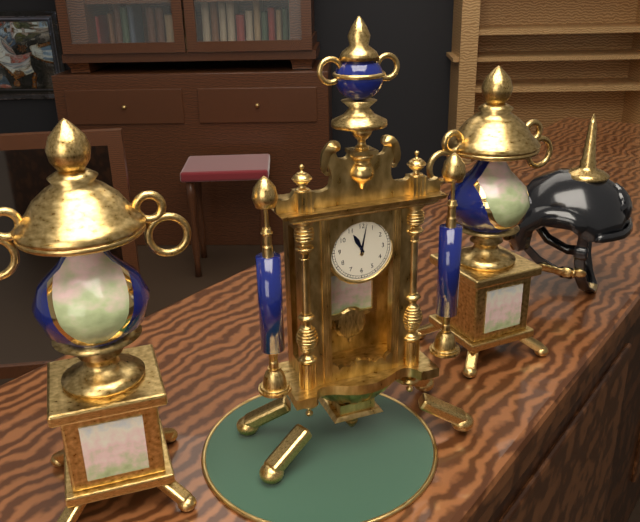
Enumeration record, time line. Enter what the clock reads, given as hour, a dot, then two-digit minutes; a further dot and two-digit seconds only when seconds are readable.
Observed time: 11.02
